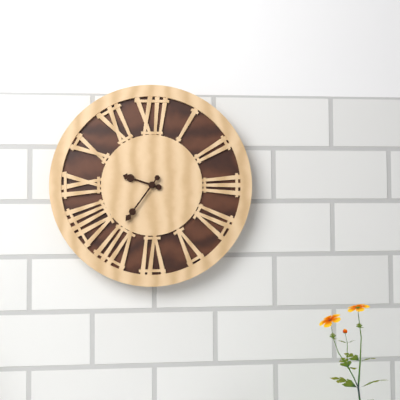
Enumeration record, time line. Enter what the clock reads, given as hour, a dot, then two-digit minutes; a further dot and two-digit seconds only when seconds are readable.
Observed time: 9.36
